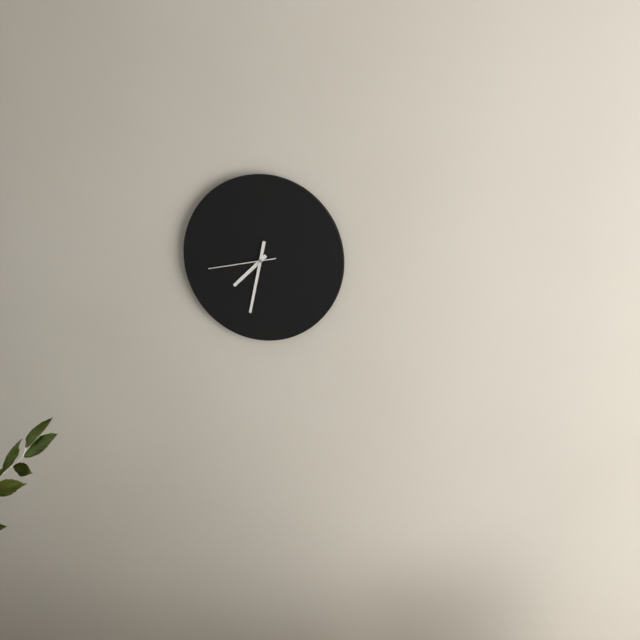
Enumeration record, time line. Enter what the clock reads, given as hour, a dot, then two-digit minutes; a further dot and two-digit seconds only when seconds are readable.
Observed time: 7.32.43
